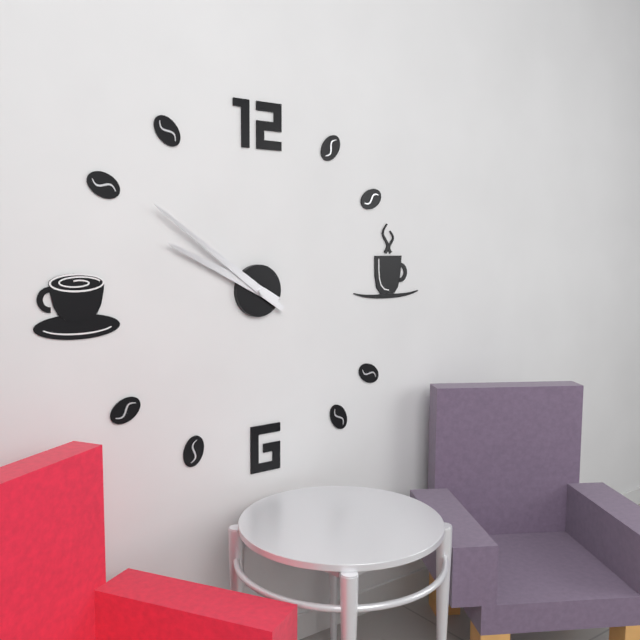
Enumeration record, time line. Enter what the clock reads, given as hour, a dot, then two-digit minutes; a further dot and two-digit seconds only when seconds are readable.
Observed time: 9.51
